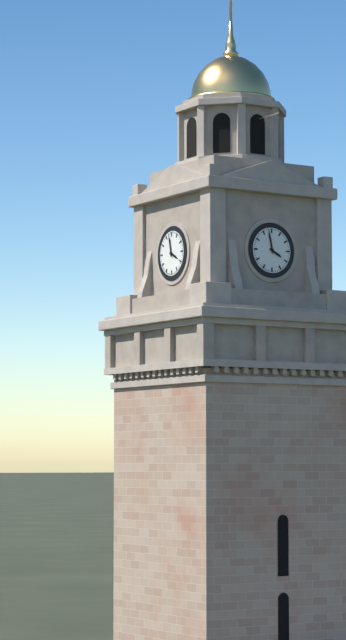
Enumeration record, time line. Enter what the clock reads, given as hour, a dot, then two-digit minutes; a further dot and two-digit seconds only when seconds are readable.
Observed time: 3.58
